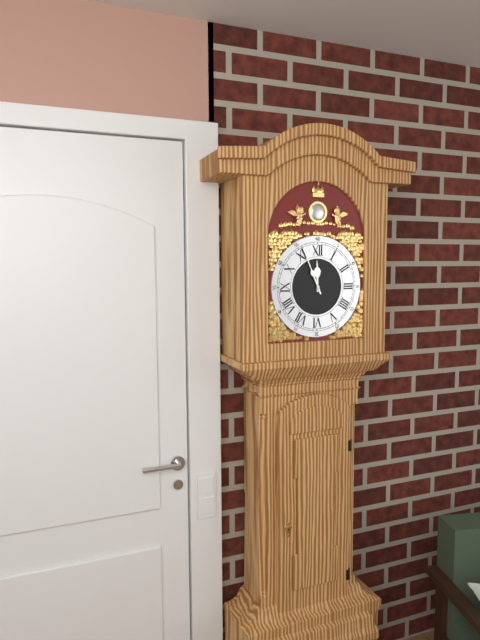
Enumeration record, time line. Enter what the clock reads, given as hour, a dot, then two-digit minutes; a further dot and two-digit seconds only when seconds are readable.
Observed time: 11.56
